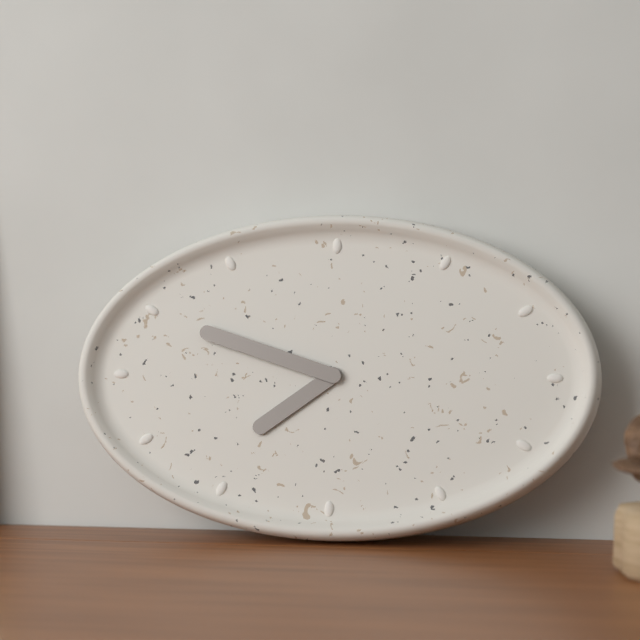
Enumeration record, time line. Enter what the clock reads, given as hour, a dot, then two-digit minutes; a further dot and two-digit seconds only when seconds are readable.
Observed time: 7.48
